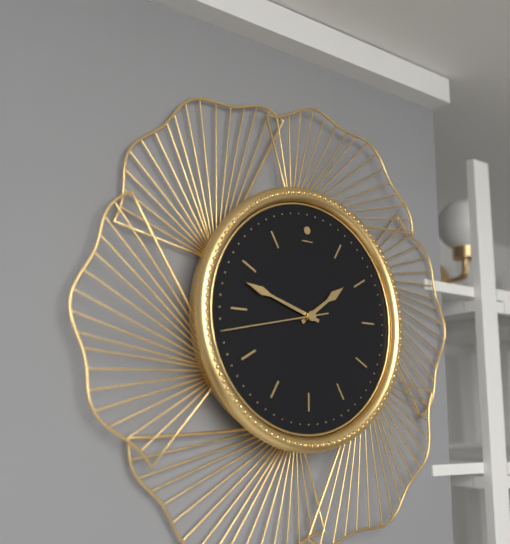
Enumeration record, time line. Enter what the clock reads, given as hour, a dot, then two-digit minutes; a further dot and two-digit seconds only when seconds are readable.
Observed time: 1.48.43
